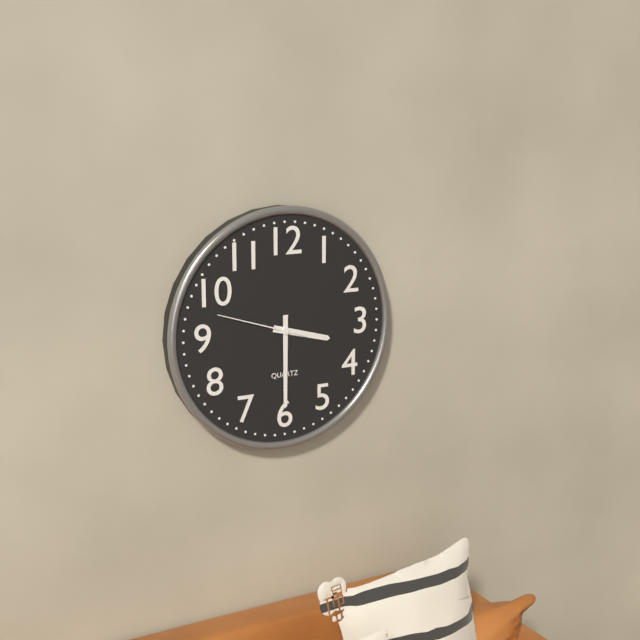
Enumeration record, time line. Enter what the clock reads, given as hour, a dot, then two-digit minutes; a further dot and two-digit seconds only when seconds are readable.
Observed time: 3.30.48
